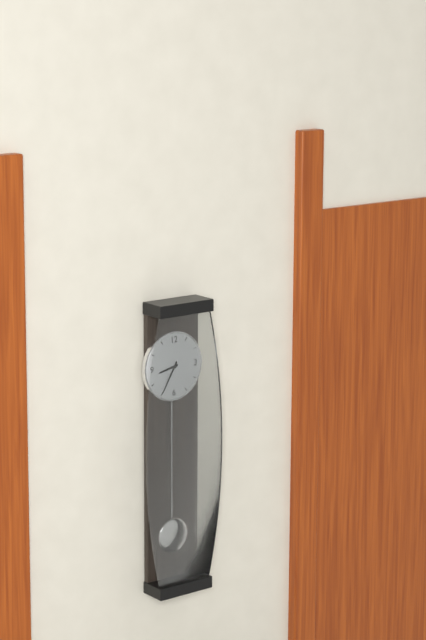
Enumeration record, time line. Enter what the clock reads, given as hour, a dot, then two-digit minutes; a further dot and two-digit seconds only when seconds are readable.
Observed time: 8.35
